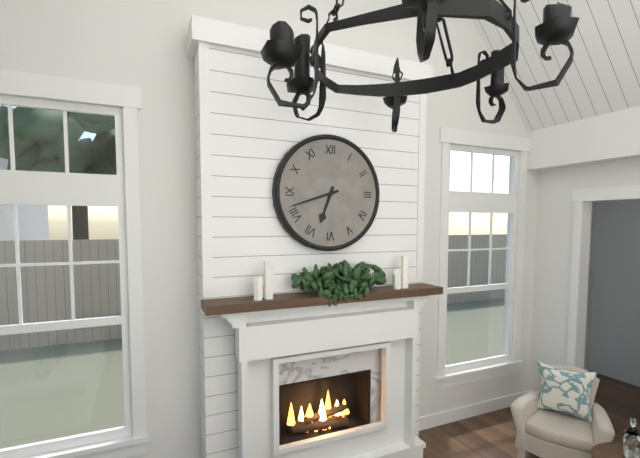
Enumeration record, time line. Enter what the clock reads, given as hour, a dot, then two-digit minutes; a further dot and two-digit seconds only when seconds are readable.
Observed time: 6.42
